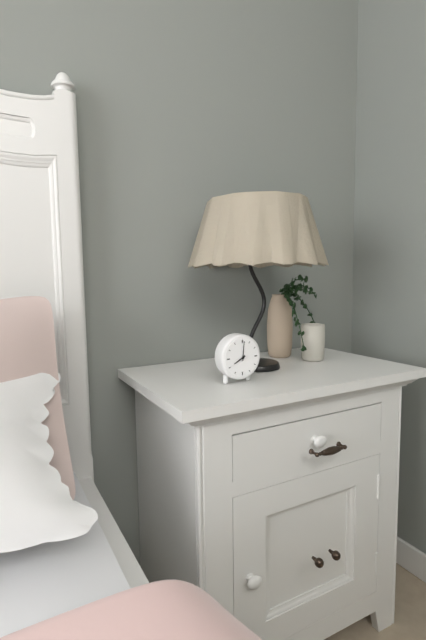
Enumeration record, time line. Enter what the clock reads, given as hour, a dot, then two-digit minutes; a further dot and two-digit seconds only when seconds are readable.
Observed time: 8.01
